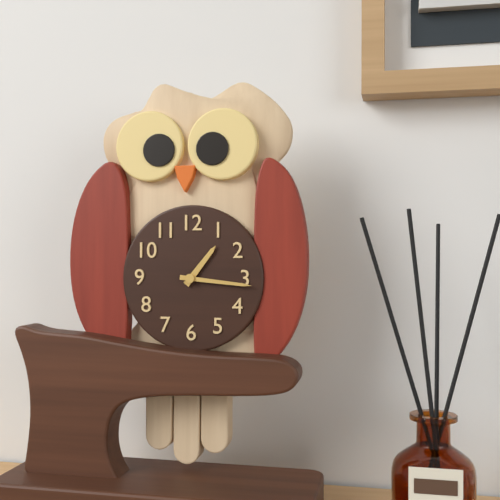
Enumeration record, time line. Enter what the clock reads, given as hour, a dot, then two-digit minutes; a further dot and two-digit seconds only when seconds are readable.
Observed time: 1.16
